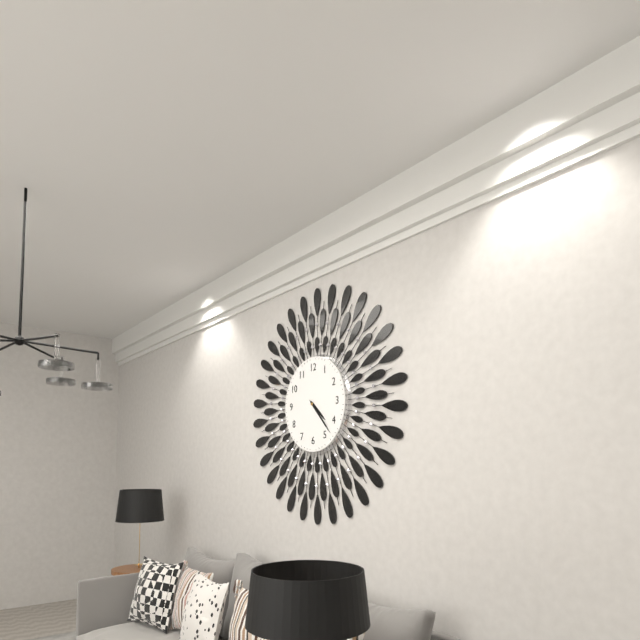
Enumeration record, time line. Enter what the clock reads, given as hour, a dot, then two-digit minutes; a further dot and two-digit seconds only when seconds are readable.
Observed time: 4.23
